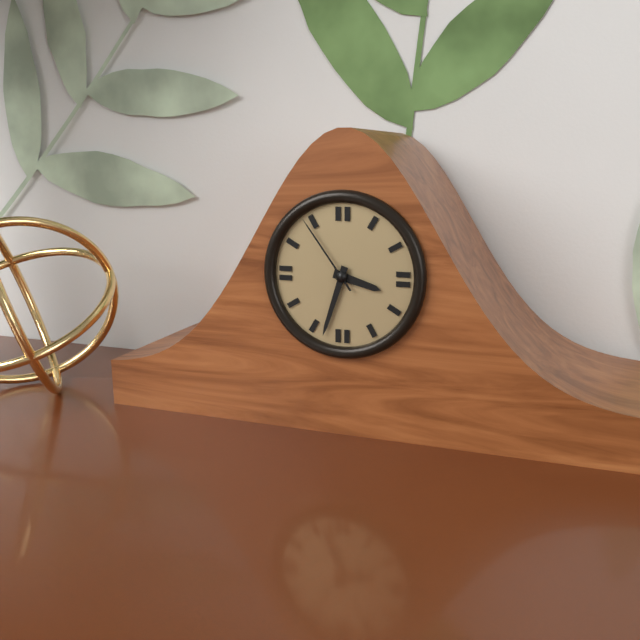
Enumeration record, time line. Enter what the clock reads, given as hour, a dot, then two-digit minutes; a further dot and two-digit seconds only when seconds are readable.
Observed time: 3.33.54
